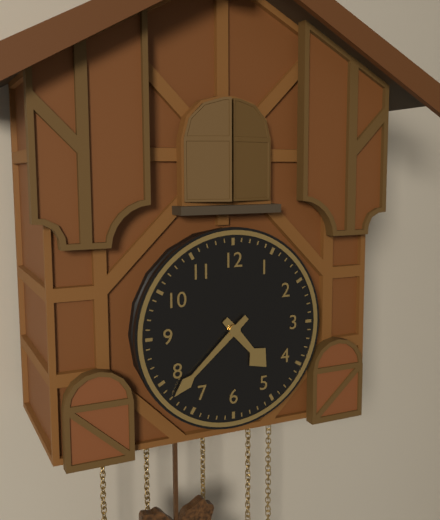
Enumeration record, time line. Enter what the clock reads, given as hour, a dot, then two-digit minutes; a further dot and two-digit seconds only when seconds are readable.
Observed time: 4.38
